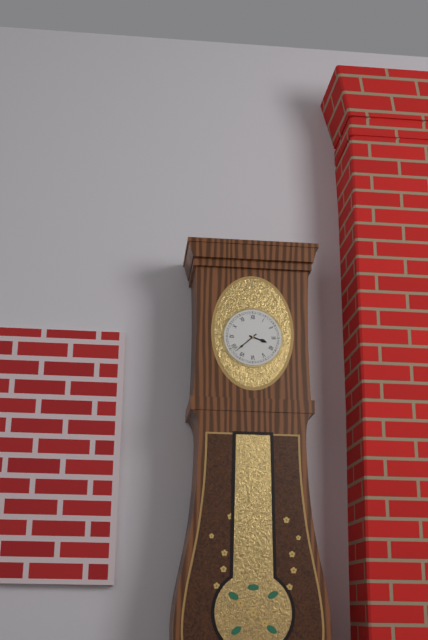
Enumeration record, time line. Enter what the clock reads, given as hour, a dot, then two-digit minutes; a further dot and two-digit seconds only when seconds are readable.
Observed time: 3.38
